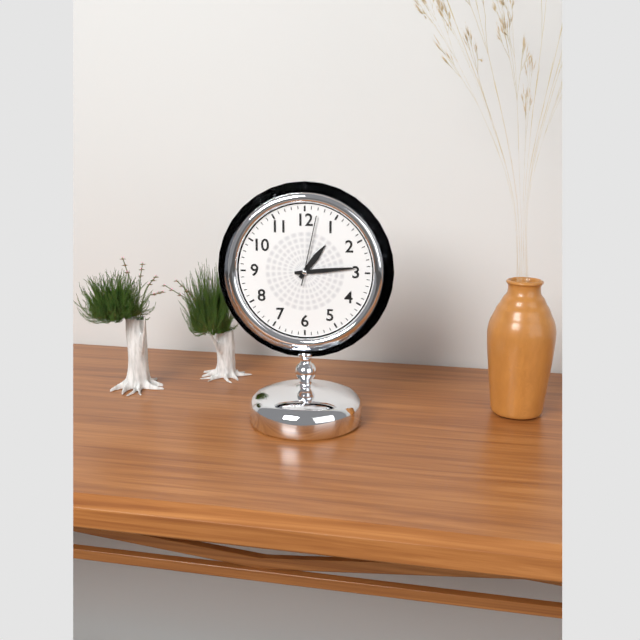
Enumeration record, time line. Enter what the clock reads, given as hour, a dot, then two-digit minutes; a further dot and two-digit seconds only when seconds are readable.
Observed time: 1.14.02
